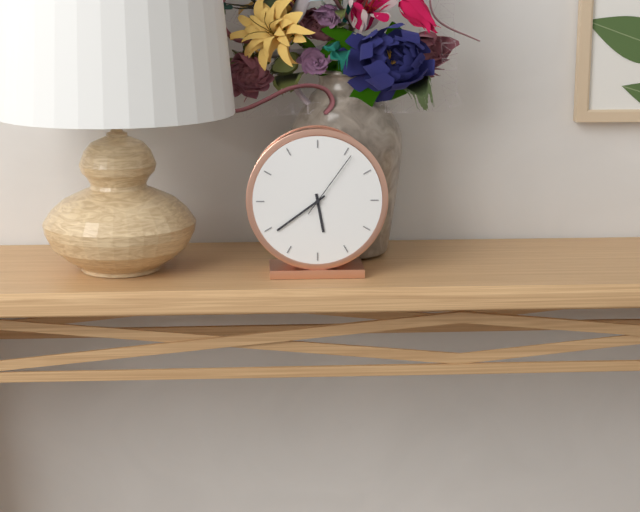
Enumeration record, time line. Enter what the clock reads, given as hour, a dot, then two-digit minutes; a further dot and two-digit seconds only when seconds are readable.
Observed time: 5.39.06
